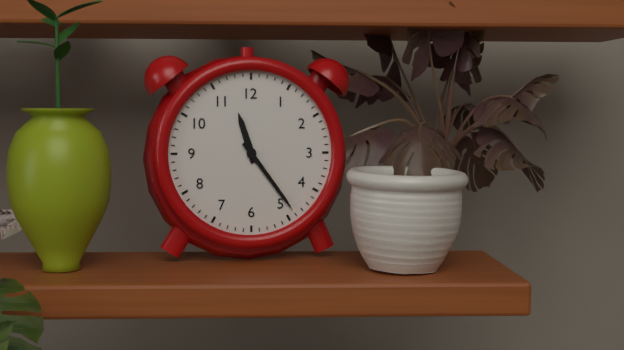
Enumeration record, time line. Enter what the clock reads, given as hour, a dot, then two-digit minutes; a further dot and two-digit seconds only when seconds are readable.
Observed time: 11.24
